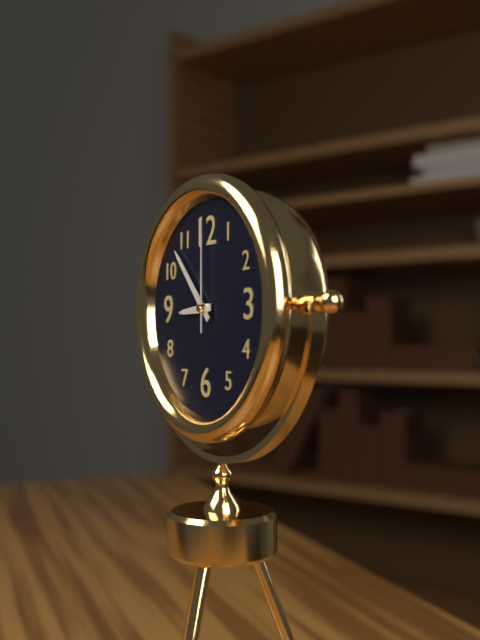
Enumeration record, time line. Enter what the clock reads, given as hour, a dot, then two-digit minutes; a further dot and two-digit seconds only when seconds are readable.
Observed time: 8.53.00
